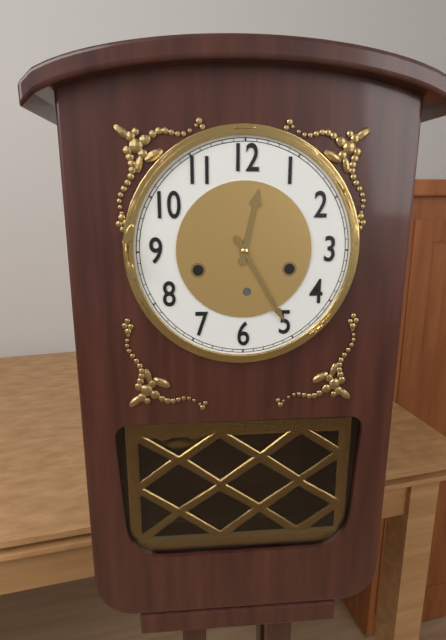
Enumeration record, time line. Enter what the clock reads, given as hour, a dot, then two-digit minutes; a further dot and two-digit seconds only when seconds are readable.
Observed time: 12.25
